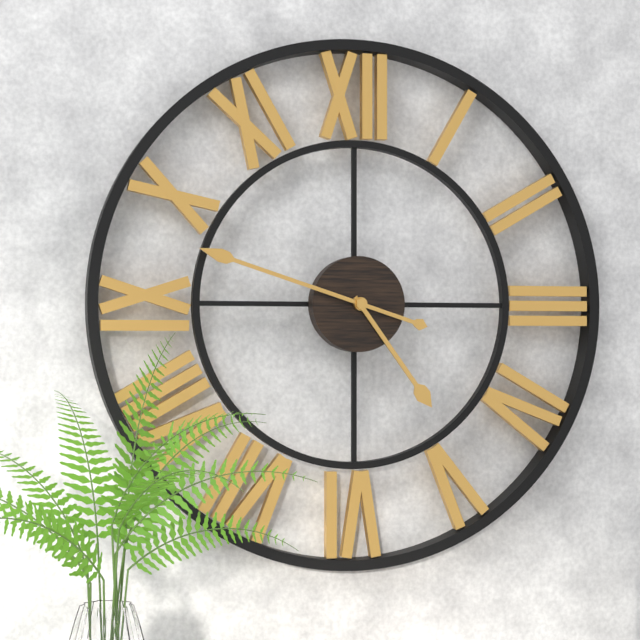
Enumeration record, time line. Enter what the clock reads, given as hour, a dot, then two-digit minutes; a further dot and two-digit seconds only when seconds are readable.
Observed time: 4.48
